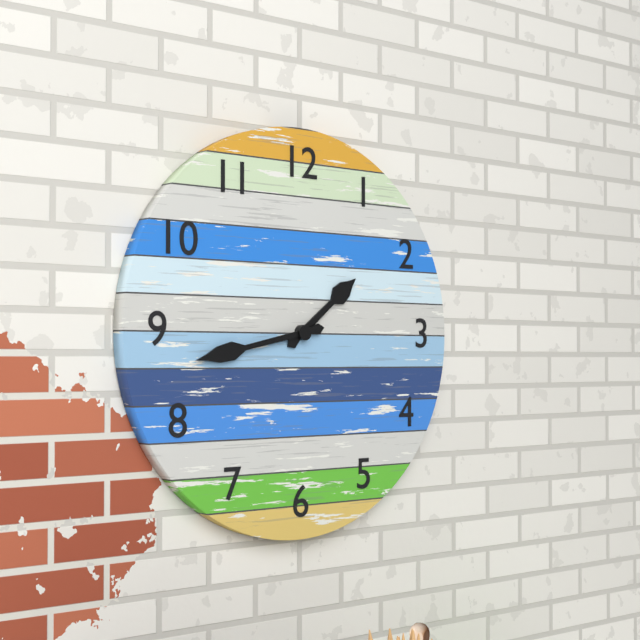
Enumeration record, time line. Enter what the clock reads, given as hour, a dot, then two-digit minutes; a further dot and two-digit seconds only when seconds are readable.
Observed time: 1.43
